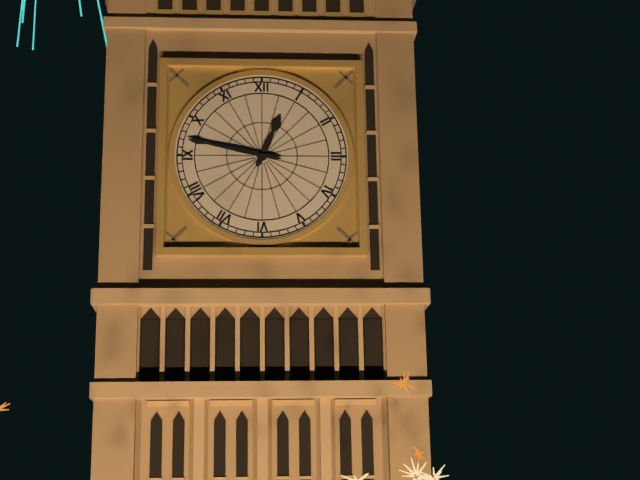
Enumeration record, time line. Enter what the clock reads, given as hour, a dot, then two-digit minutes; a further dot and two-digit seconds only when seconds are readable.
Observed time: 12.47
